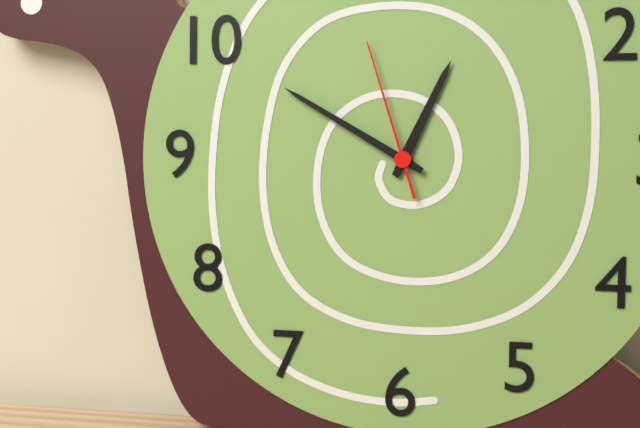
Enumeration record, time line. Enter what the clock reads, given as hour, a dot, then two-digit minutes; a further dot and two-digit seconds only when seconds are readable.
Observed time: 12.50.57
